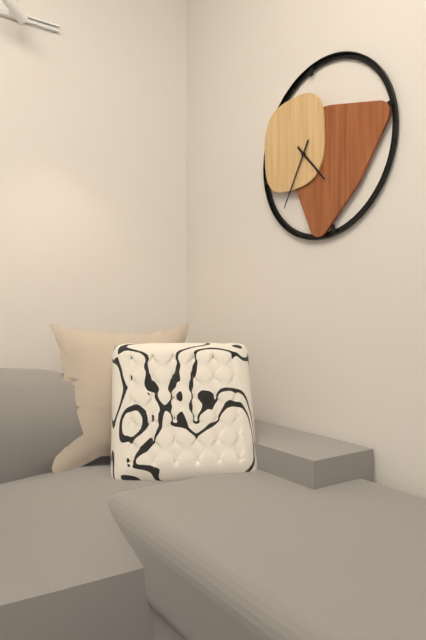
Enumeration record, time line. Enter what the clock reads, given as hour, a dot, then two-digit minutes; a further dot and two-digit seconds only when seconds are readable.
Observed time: 4.35
